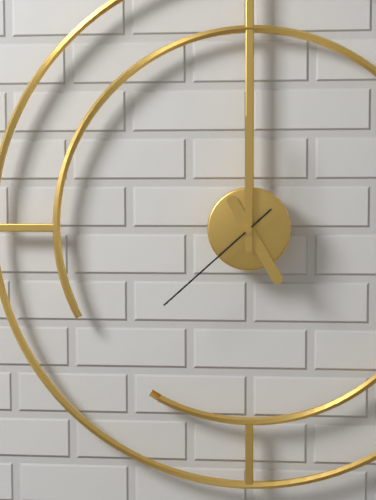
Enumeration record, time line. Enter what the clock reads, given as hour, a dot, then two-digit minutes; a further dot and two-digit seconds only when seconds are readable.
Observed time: 5.00.38
